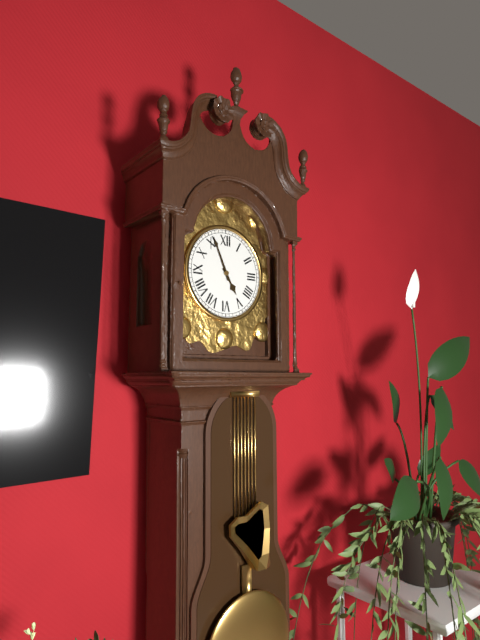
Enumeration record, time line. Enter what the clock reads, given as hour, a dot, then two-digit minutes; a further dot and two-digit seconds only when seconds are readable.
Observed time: 4.56
